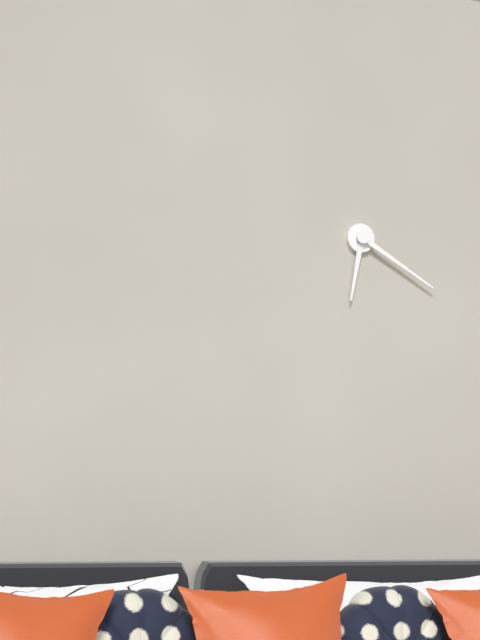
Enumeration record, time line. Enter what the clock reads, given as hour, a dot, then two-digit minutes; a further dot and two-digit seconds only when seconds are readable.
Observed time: 6.20
